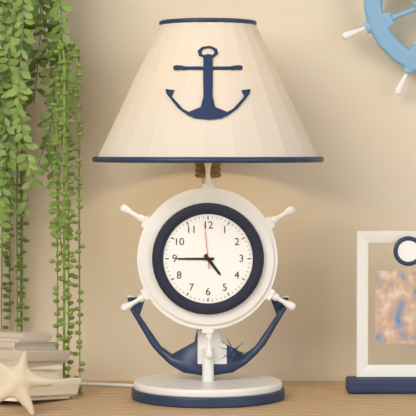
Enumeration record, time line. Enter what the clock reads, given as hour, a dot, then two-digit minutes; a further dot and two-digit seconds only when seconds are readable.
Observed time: 4.45
